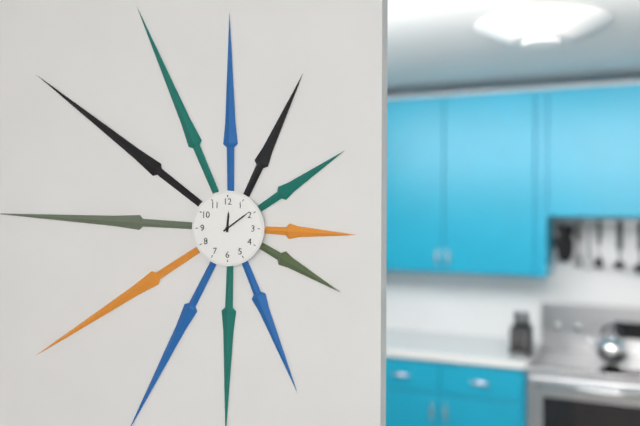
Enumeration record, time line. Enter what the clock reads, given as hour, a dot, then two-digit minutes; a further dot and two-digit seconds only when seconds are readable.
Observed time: 12.09
